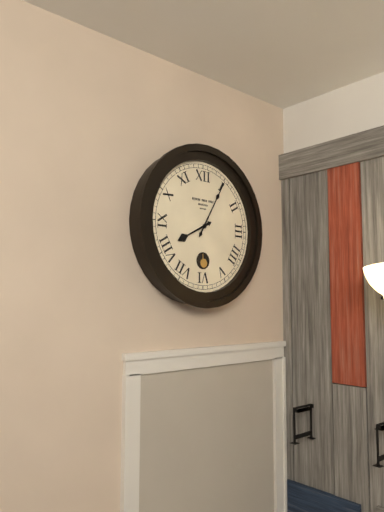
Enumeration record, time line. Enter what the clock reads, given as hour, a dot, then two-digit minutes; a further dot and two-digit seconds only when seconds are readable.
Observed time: 8.05
